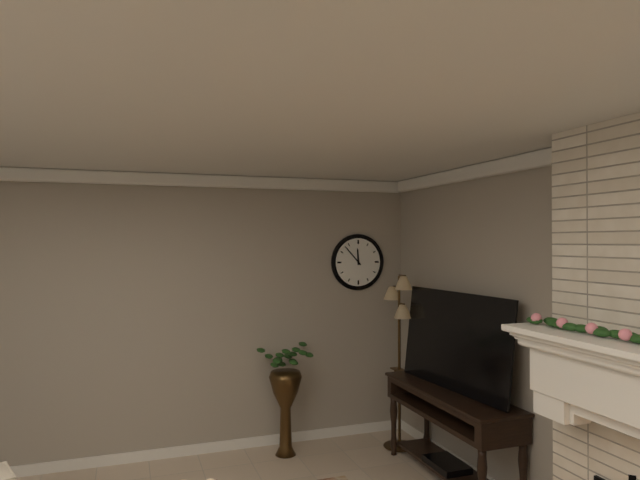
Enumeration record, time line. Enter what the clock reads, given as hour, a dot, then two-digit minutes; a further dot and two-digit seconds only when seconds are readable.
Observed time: 11.53
